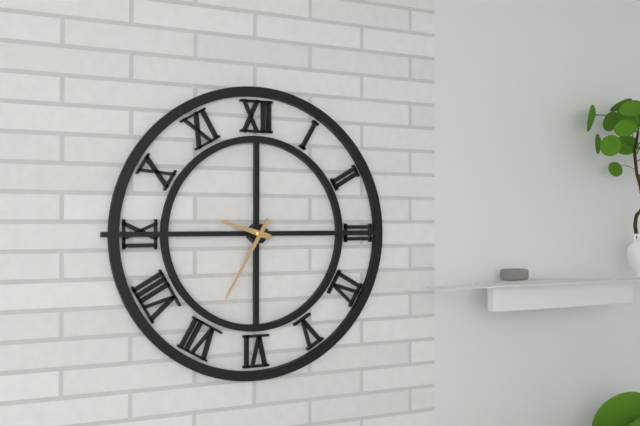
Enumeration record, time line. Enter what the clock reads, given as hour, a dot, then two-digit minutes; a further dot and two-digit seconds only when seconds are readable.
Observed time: 9.35
